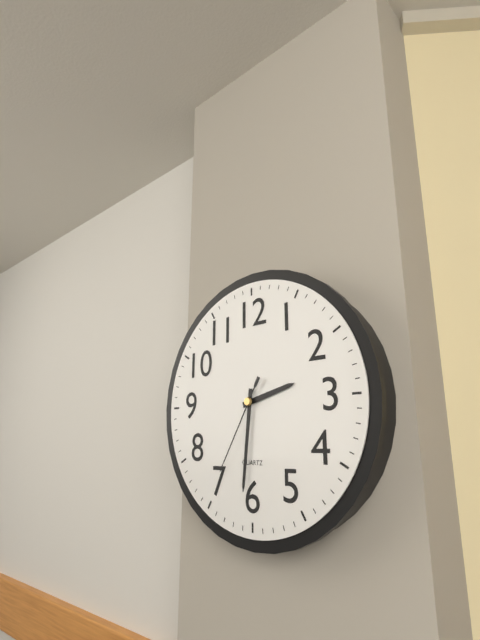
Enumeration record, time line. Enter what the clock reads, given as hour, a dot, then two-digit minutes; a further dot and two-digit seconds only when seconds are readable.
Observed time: 2.31.35
